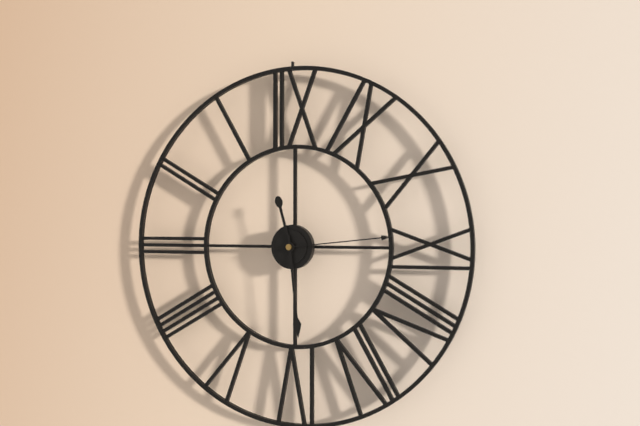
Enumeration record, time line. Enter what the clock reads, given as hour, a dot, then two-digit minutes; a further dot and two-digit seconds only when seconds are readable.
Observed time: 11.29.14
